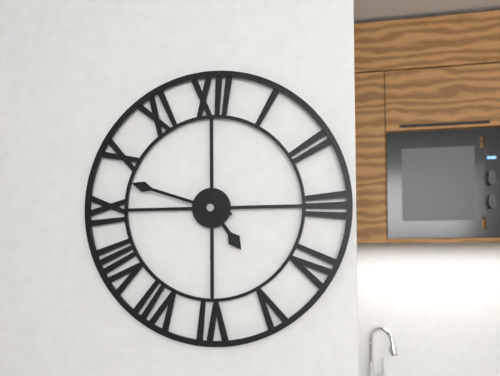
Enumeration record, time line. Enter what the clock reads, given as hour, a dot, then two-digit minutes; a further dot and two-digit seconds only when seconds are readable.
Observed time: 4.48
